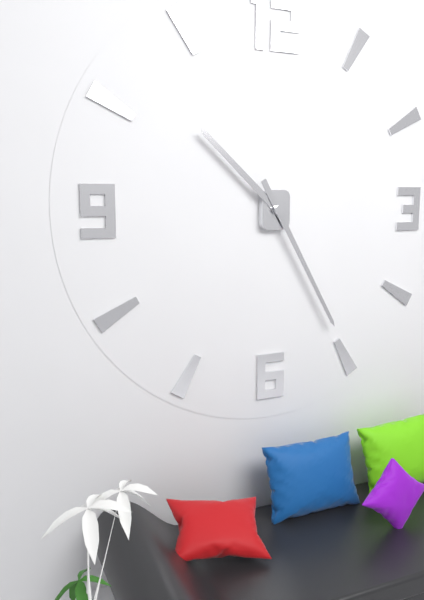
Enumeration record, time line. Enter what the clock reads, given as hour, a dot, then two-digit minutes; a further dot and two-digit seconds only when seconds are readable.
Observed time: 10.25
